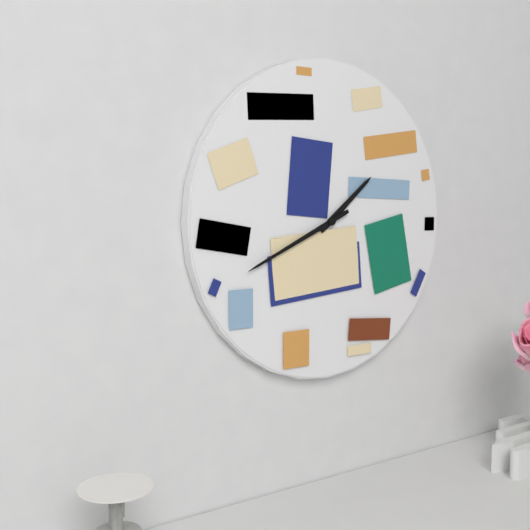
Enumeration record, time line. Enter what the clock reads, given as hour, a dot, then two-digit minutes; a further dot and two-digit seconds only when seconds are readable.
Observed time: 1.41
